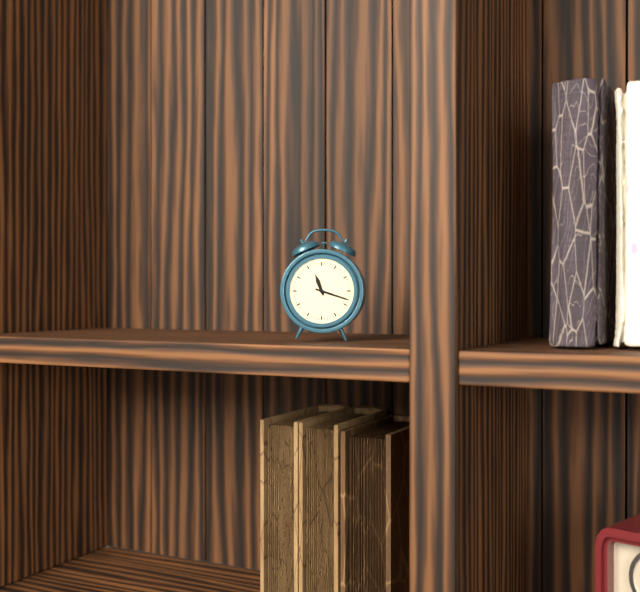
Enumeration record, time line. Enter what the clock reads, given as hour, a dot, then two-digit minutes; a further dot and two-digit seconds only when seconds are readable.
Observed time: 11.18
